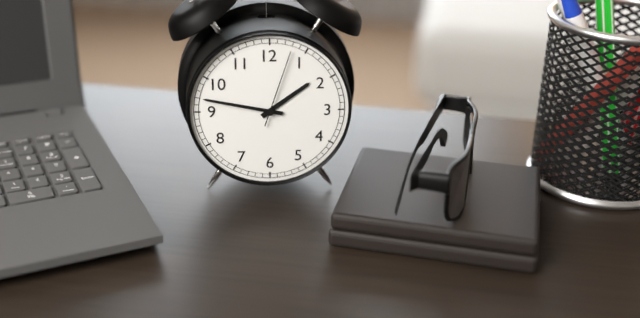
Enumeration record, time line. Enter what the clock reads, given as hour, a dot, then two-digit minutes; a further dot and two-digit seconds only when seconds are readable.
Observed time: 1.47.03
